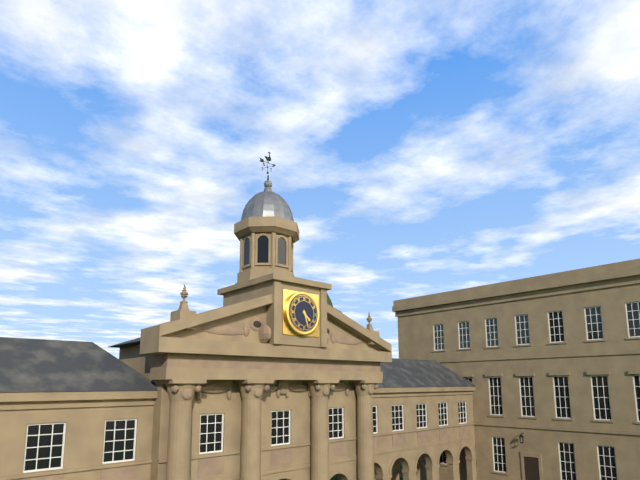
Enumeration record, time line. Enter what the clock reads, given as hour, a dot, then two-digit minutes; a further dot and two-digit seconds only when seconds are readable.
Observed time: 4.27
